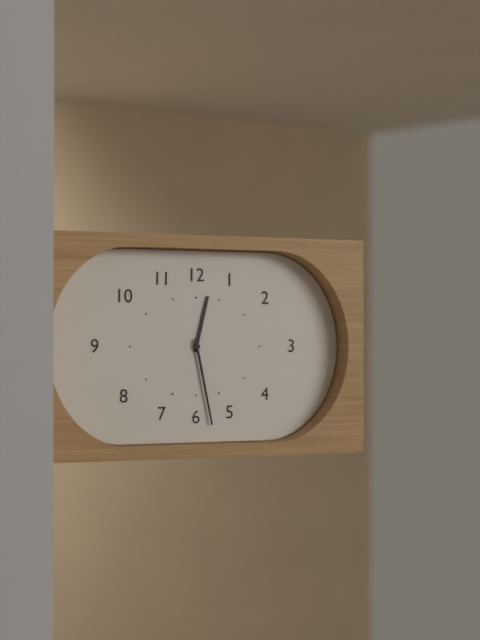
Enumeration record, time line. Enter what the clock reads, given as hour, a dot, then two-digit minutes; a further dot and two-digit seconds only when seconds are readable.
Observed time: 12.28
